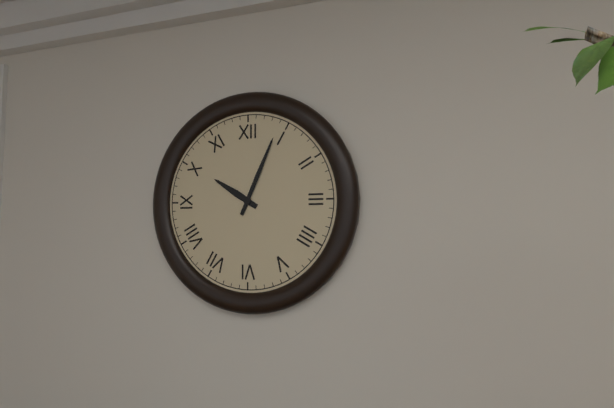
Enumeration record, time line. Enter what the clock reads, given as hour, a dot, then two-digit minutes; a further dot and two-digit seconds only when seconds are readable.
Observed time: 10.04
